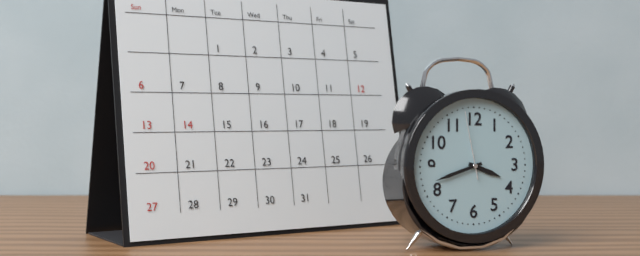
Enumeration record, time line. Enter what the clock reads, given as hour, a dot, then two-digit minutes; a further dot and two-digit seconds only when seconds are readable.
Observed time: 3.42.58
